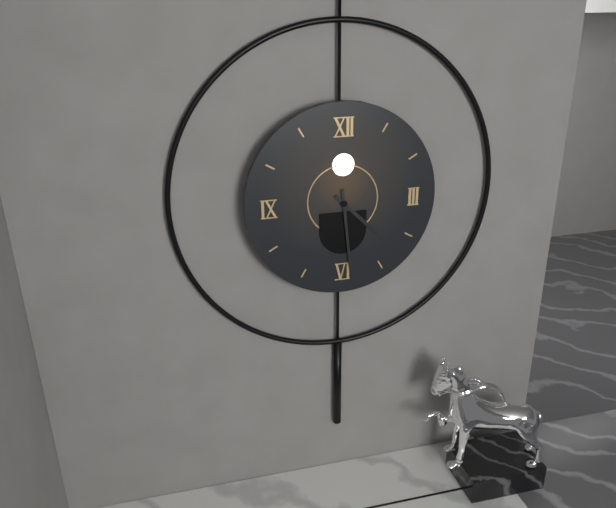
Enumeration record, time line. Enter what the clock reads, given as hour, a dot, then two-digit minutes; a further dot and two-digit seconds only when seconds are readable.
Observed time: 4.29
